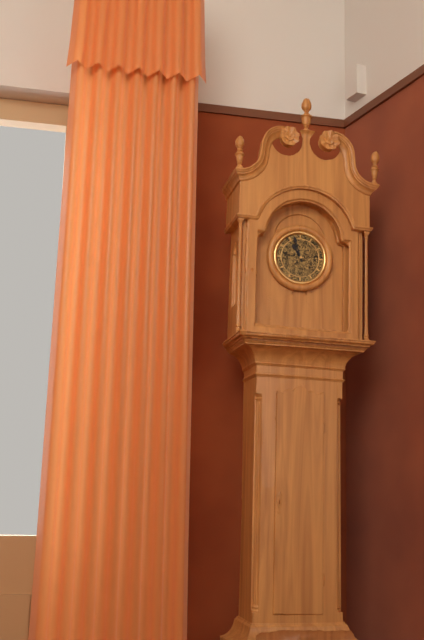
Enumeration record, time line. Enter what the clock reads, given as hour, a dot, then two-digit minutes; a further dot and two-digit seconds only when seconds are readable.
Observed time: 10.57
